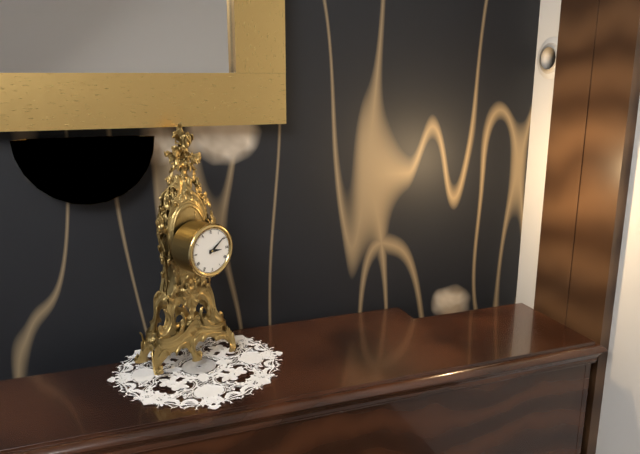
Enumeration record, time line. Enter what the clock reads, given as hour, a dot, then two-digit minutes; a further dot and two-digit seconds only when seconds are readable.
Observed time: 3.09
